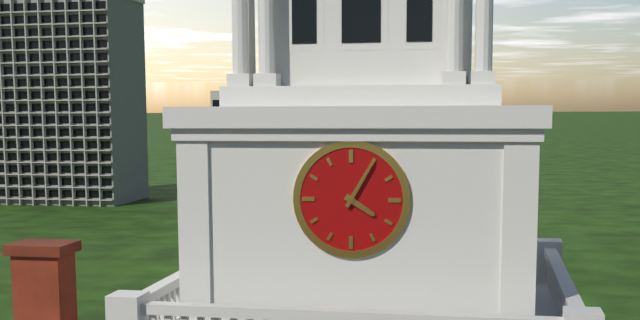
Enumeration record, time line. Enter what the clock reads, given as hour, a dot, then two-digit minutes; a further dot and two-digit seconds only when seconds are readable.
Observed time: 4.05
